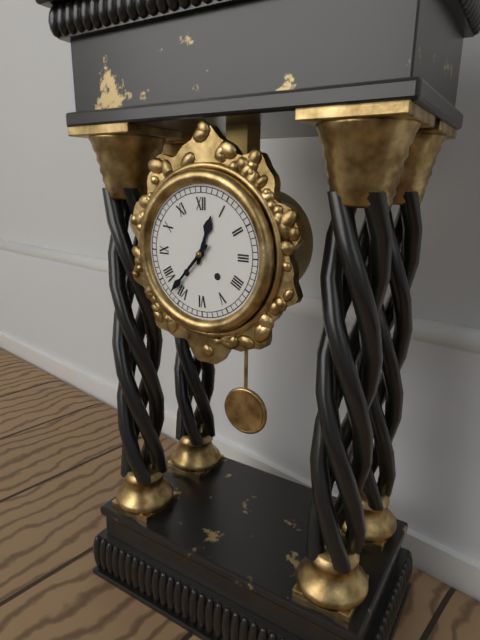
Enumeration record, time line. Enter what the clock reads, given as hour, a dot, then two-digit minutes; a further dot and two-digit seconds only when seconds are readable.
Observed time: 12.37
